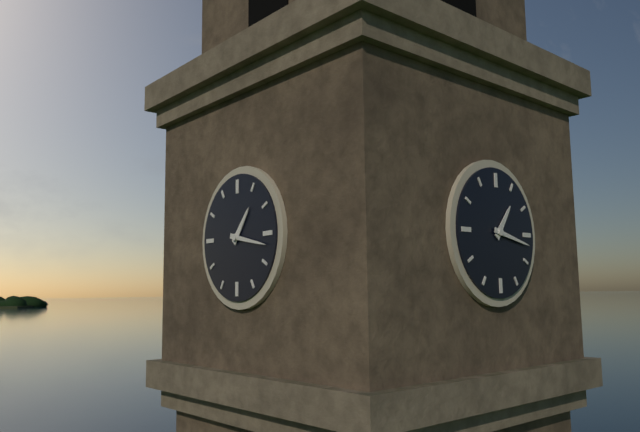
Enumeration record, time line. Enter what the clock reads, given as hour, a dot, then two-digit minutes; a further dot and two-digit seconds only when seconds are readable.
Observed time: 1.17
